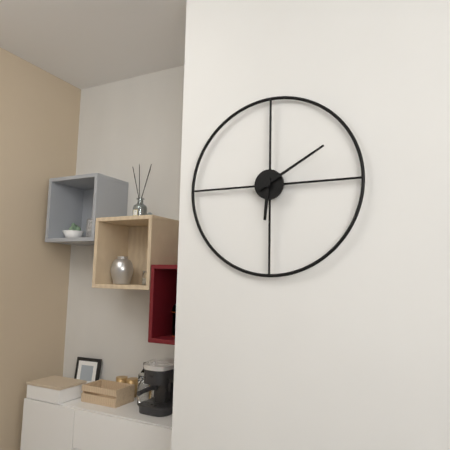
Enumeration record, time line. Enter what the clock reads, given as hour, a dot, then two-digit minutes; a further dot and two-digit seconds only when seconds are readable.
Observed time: 6.10
